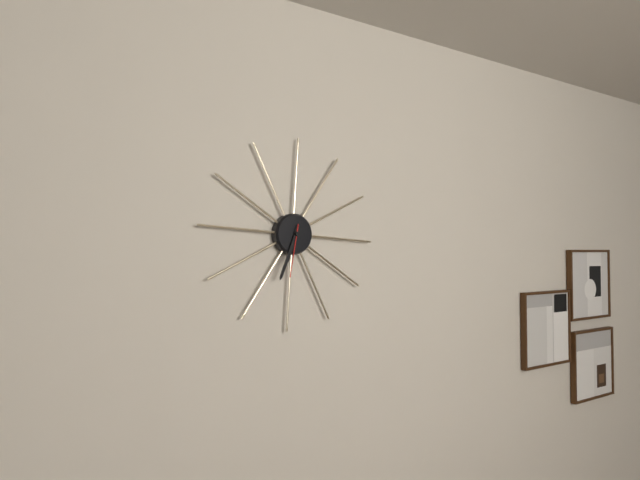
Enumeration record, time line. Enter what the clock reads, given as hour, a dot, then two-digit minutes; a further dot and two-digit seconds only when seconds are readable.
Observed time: 6.33.31
